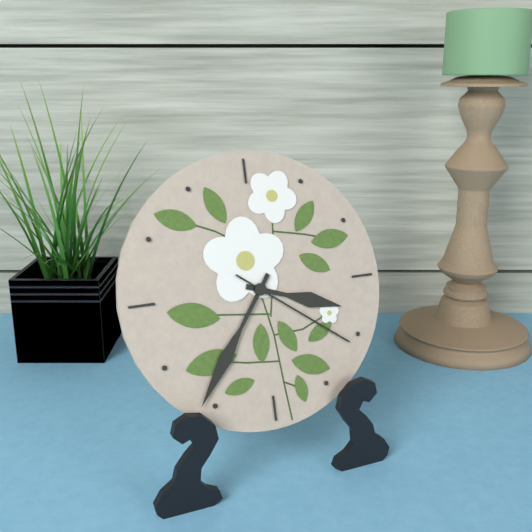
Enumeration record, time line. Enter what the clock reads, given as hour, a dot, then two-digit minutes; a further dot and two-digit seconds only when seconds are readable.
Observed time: 3.36.21
